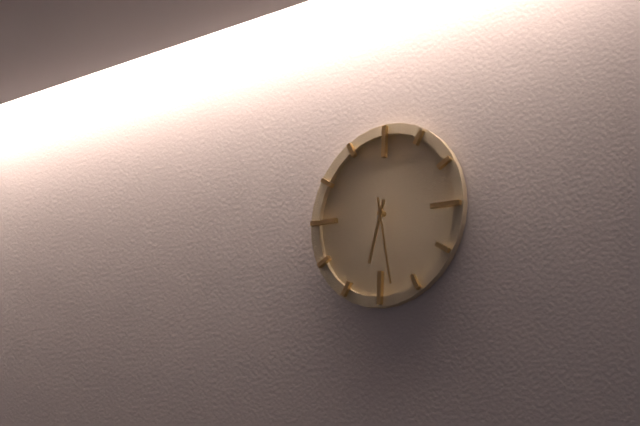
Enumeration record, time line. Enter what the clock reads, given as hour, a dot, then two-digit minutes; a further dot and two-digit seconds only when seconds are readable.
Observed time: 6.28
